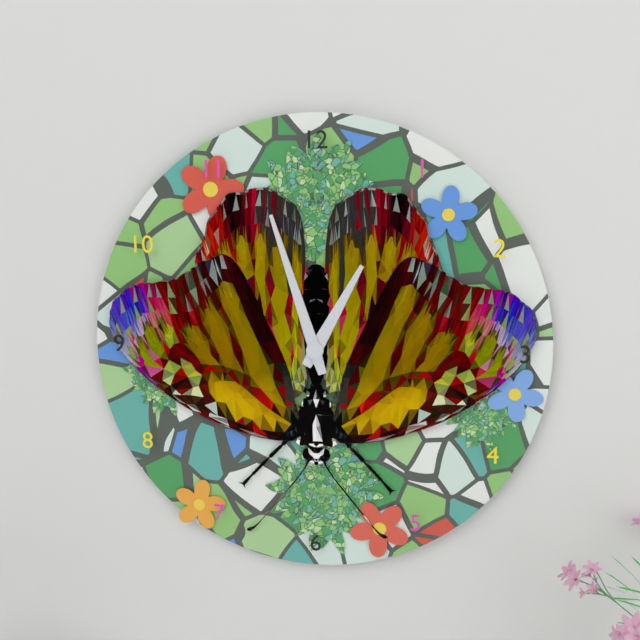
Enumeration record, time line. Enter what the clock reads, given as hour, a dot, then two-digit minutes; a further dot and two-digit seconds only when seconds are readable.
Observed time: 12.57
